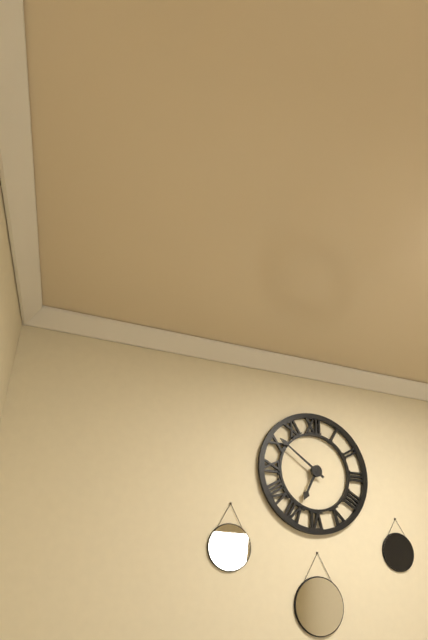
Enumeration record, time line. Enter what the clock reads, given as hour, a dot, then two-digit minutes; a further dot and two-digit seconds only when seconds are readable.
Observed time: 6.51
